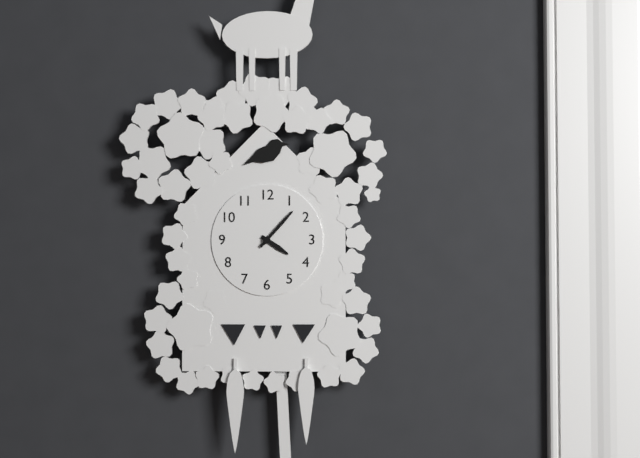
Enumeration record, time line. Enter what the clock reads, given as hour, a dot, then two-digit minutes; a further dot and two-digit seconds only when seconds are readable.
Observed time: 4.07
